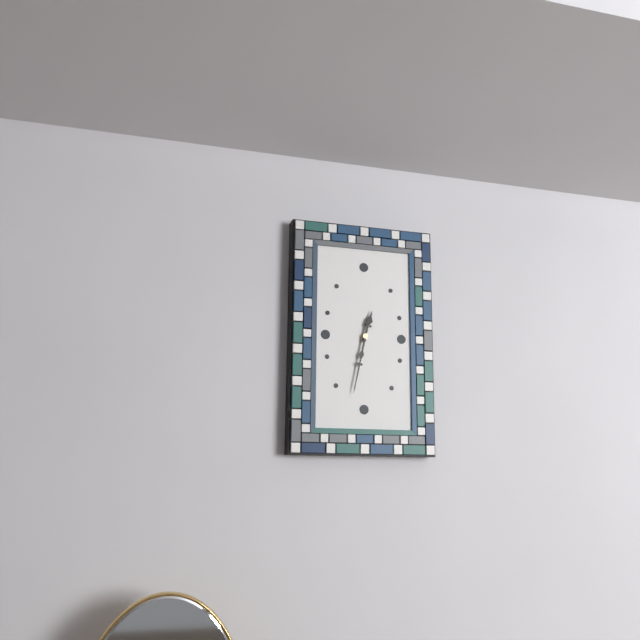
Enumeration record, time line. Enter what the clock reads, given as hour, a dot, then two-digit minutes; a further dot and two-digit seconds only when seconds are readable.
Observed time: 12.32
